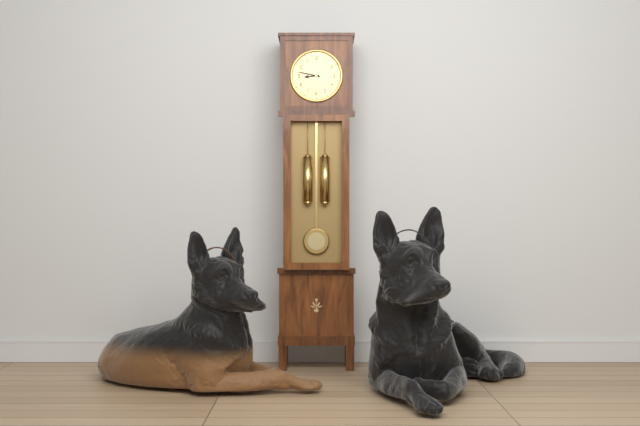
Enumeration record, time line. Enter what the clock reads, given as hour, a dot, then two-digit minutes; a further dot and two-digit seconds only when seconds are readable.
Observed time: 8.47
